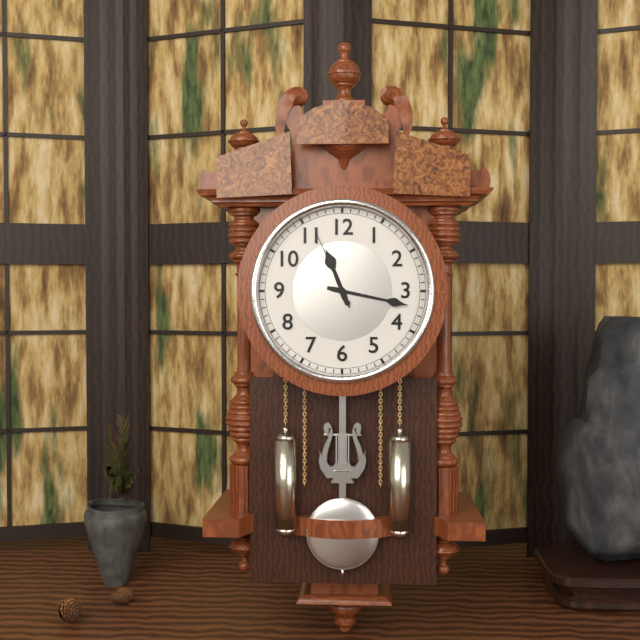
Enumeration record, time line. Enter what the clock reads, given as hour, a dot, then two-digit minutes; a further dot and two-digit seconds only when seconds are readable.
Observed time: 11.17.56
